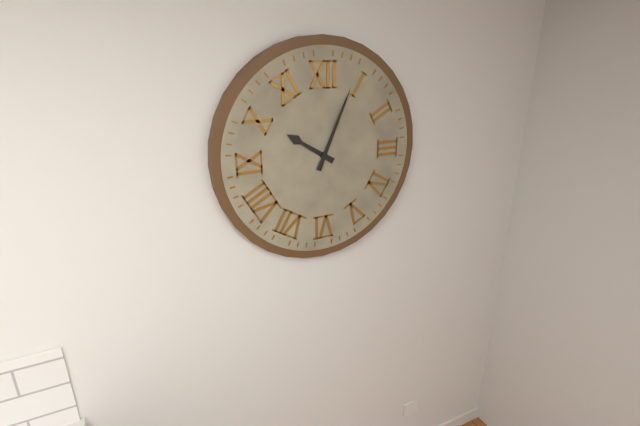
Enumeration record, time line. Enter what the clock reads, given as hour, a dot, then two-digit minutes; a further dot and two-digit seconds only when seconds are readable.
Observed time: 10.04
